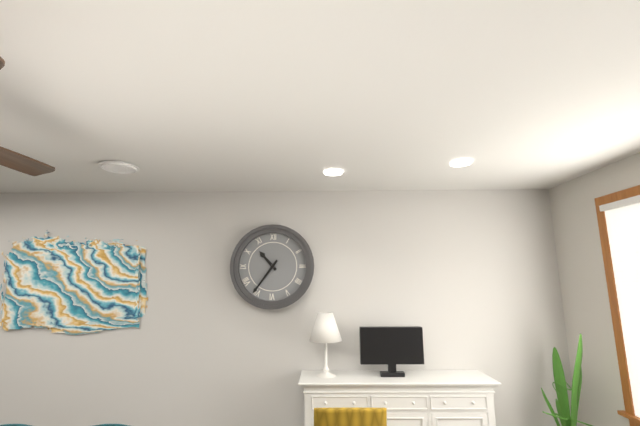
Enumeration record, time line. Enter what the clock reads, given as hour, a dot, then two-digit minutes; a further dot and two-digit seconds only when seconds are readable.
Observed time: 10.36
